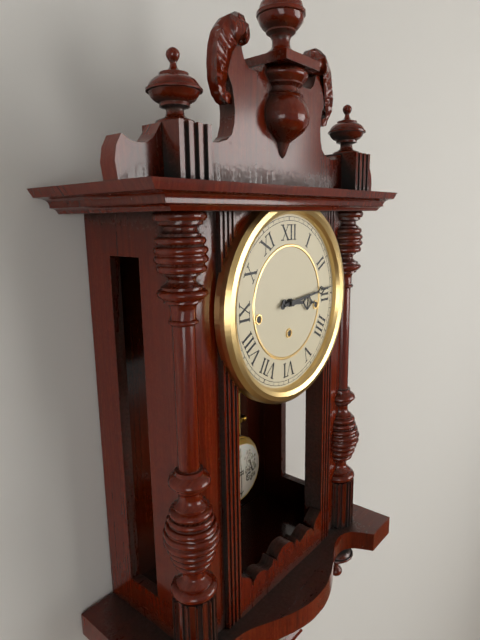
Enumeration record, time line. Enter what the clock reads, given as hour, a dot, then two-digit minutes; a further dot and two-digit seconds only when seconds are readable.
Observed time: 3.14
